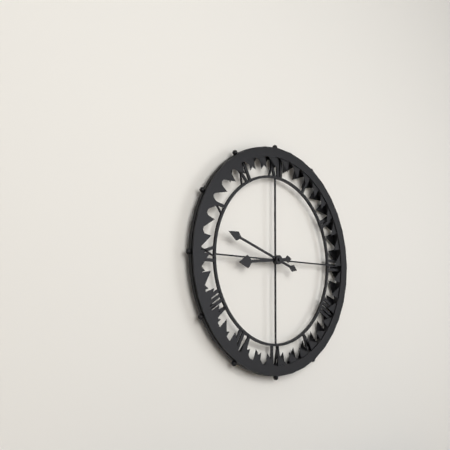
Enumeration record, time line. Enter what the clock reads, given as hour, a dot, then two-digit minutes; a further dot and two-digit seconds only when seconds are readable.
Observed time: 8.48
